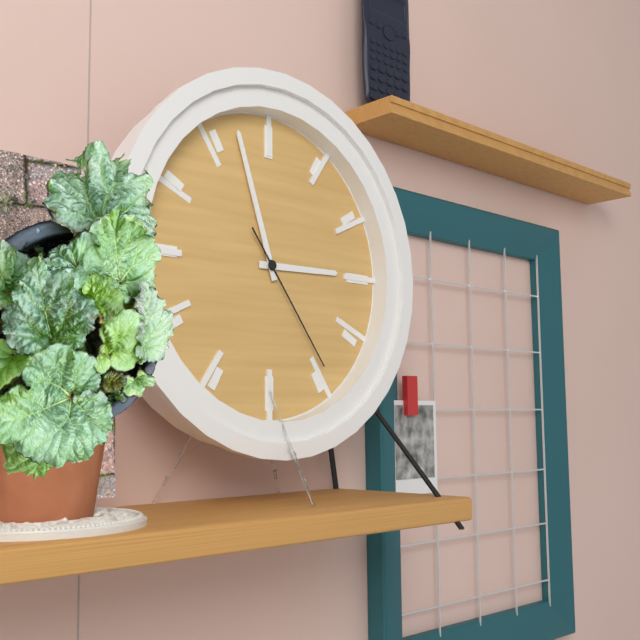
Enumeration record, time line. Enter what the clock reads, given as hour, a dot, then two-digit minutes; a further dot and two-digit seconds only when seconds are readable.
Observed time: 2.57.24
